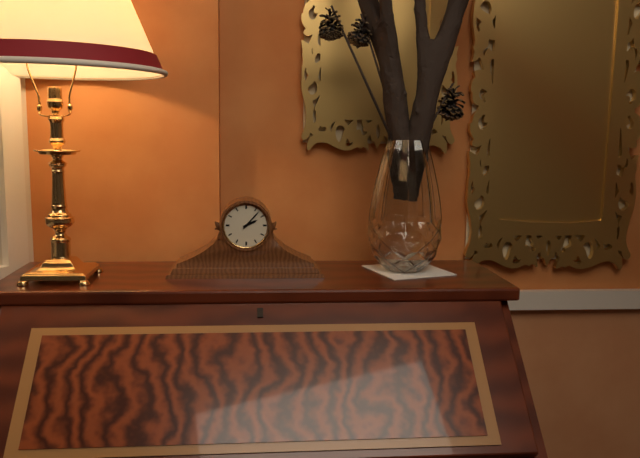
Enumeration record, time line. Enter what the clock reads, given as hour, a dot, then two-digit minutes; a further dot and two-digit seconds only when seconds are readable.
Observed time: 2.07
